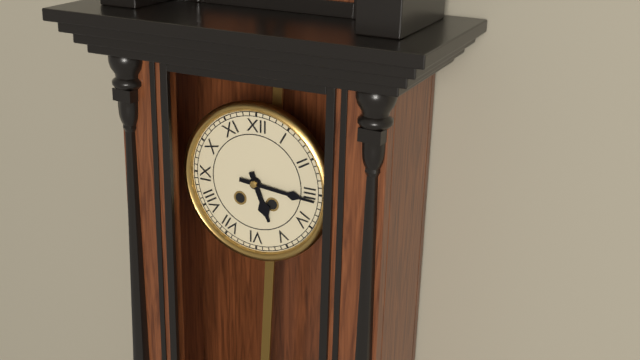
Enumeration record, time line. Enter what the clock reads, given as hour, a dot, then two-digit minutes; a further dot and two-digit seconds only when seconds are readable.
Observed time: 5.16
